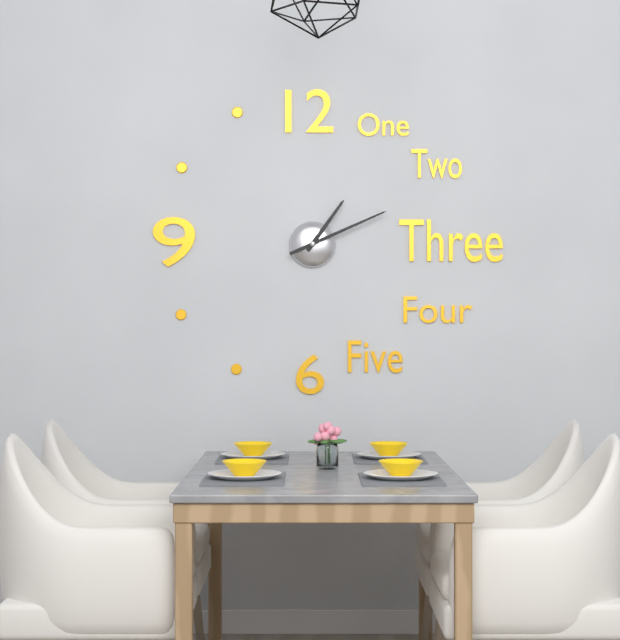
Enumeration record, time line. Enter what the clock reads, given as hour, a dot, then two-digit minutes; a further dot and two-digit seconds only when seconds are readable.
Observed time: 1.11
